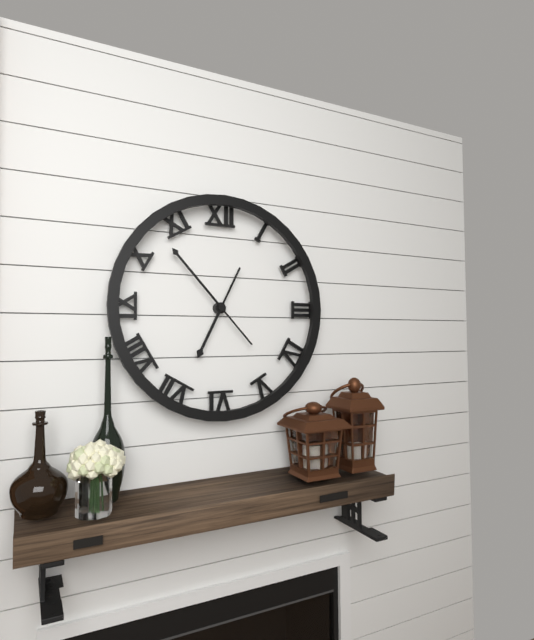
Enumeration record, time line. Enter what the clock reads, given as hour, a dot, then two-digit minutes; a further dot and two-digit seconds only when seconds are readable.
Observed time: 6.53
